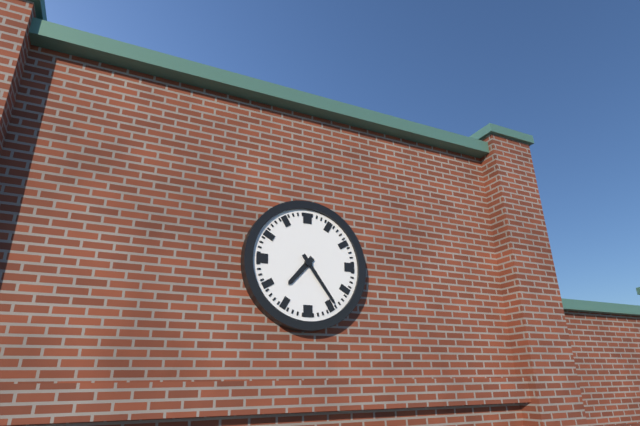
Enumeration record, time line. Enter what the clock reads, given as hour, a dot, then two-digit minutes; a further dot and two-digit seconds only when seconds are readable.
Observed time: 7.24
